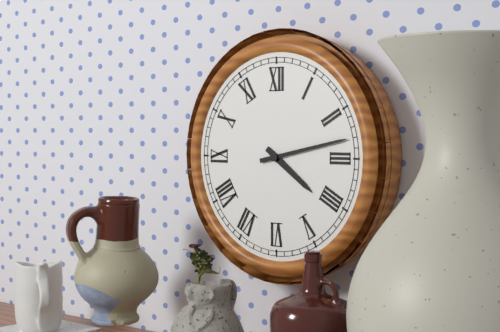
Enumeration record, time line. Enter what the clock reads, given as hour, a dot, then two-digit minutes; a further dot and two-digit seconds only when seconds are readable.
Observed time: 4.13
